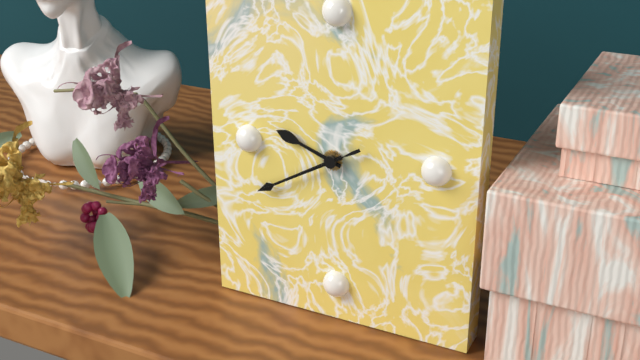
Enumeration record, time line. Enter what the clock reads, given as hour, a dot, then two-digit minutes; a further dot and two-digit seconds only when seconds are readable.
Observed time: 9.40.40
